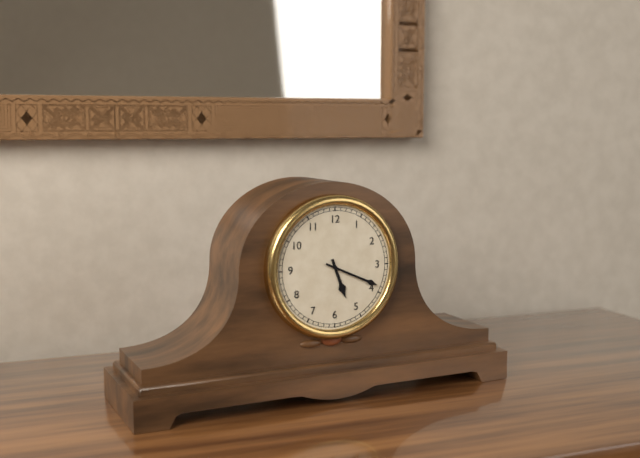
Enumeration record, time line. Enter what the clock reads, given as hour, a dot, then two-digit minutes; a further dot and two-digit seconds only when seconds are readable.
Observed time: 5.19
